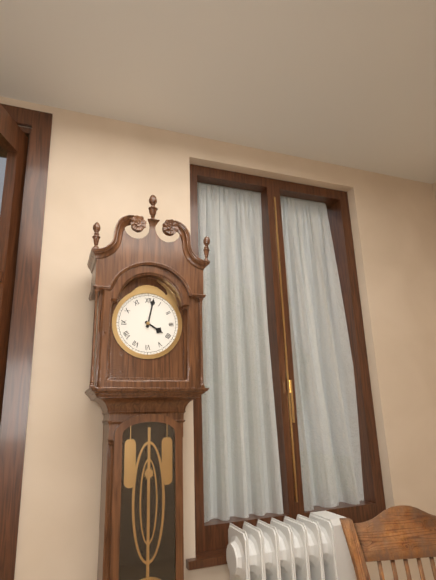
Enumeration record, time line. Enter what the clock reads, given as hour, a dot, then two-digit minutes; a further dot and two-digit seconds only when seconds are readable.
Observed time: 4.02
